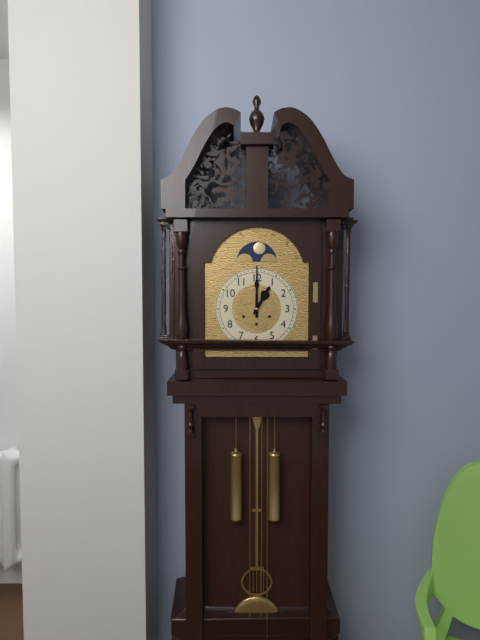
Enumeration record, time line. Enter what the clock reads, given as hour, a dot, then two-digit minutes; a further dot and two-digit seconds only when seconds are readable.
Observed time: 1.00
